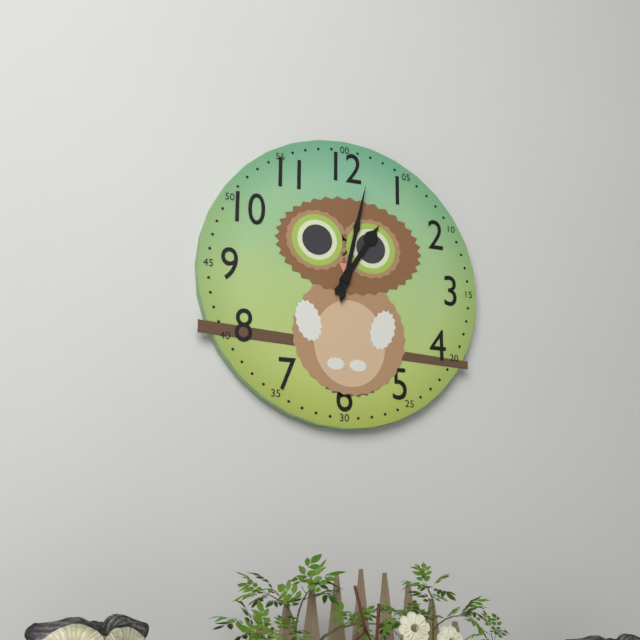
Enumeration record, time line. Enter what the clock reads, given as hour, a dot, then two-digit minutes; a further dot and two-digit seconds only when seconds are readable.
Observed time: 1.02
